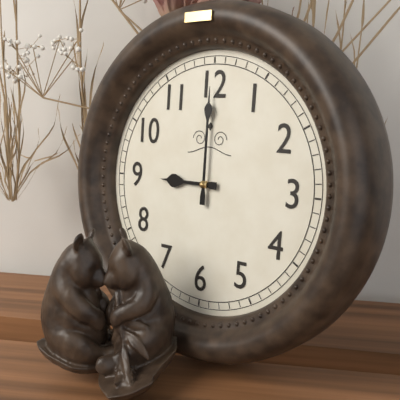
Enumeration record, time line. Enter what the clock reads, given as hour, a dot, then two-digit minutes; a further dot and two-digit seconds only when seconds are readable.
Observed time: 9.00
